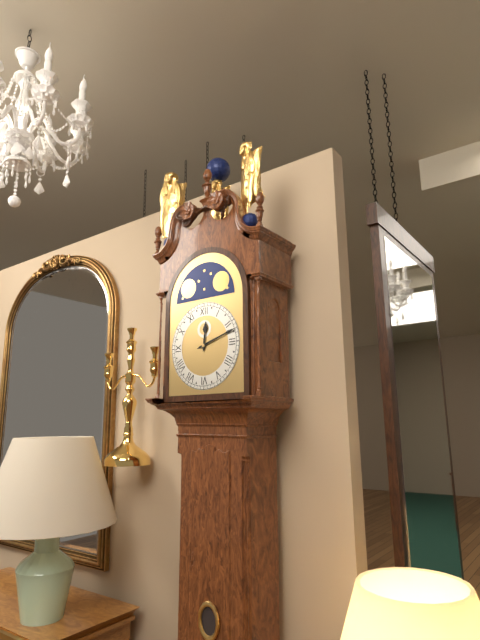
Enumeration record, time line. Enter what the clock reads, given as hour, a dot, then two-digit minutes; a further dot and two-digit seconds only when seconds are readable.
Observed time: 12.12
